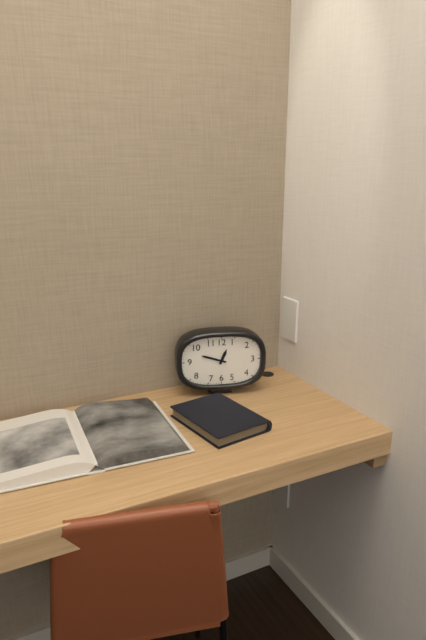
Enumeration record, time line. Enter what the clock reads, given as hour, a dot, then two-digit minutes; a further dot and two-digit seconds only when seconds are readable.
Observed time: 12.48
